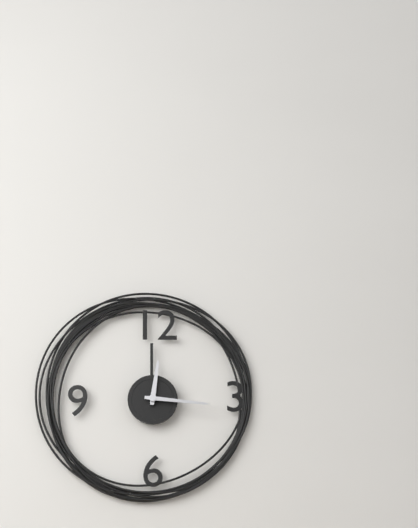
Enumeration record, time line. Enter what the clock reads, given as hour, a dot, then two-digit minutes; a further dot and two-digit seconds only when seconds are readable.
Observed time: 12.16
